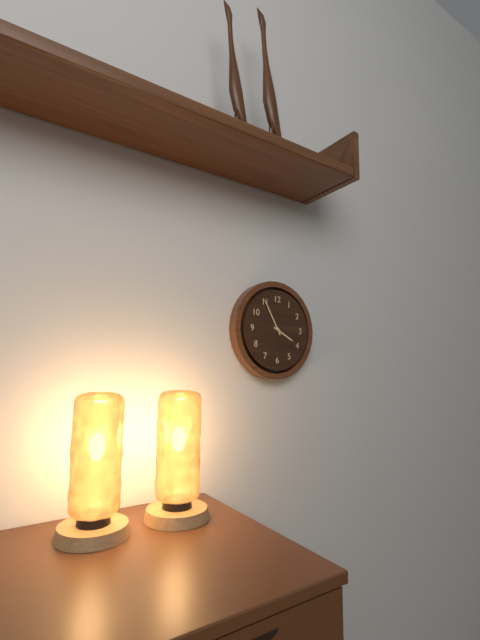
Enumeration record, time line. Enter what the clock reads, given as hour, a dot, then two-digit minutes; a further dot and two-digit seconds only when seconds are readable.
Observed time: 3.55
